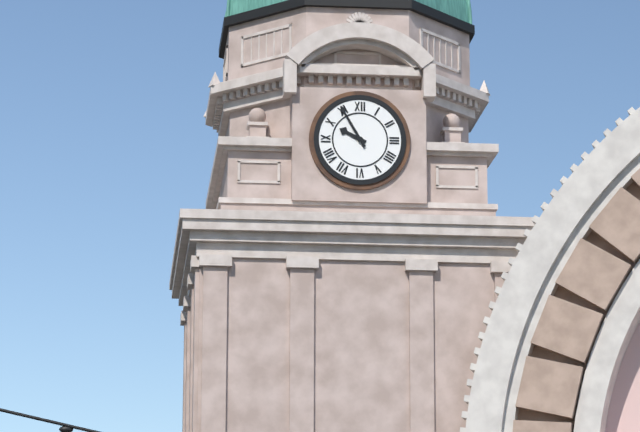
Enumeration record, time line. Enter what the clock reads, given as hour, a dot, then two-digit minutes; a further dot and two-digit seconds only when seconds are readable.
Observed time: 9.55
